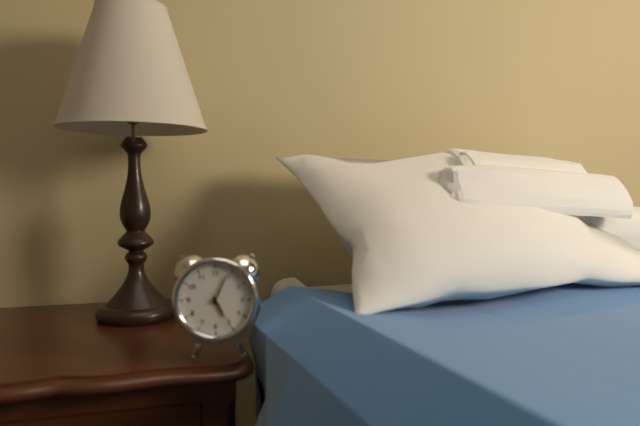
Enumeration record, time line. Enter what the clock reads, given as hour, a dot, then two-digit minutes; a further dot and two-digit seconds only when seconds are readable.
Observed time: 5.04
